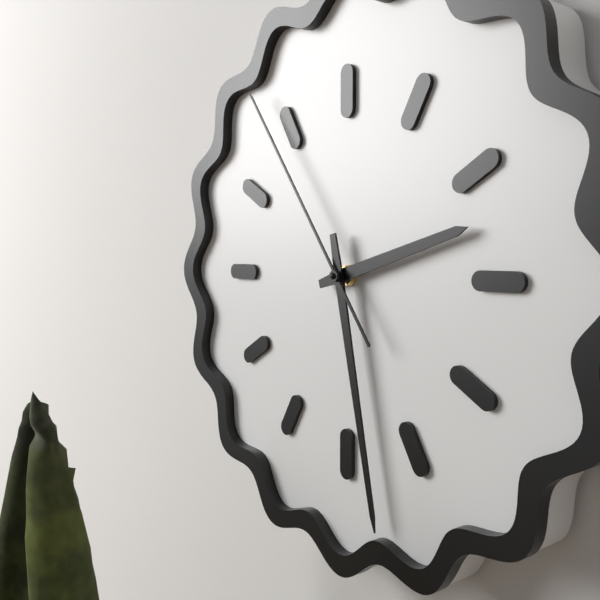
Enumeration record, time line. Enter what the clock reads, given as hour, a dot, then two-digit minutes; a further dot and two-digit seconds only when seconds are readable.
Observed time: 2.28.54
